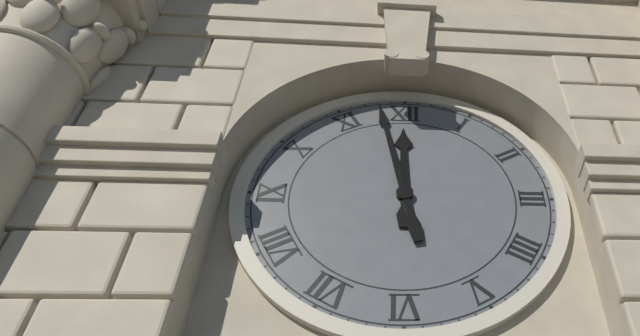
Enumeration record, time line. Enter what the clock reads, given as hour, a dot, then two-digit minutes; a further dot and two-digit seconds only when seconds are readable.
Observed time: 11.58
